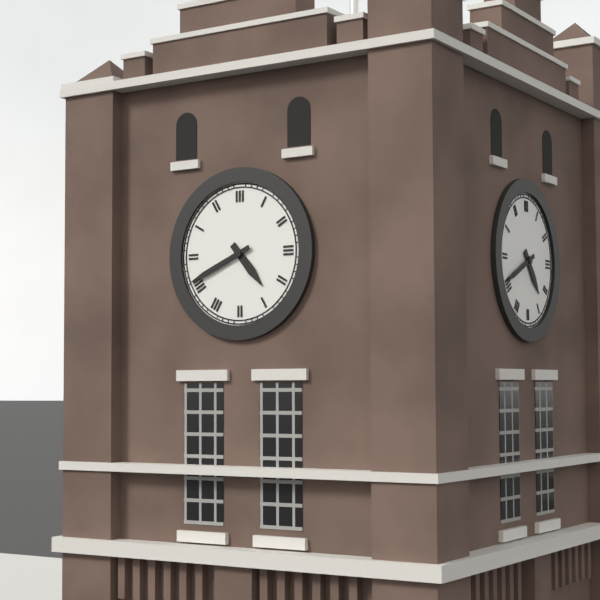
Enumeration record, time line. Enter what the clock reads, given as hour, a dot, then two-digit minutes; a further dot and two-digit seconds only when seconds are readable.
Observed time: 4.41
